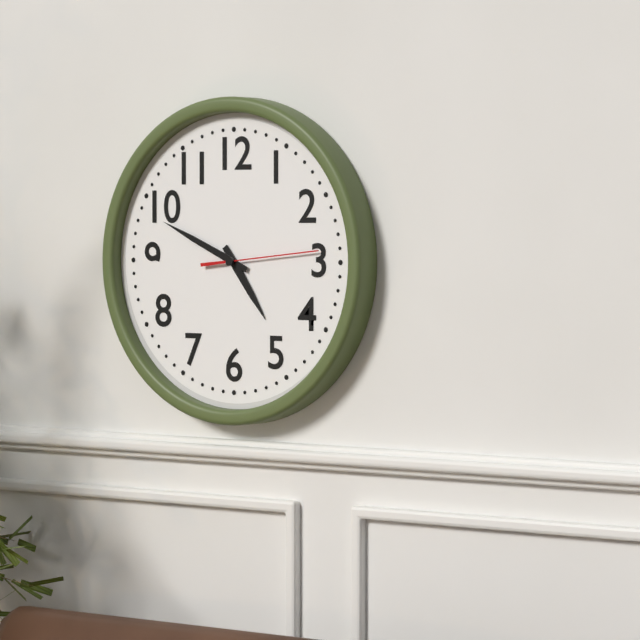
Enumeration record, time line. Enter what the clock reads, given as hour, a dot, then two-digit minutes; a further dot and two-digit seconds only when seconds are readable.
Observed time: 4.49.14
